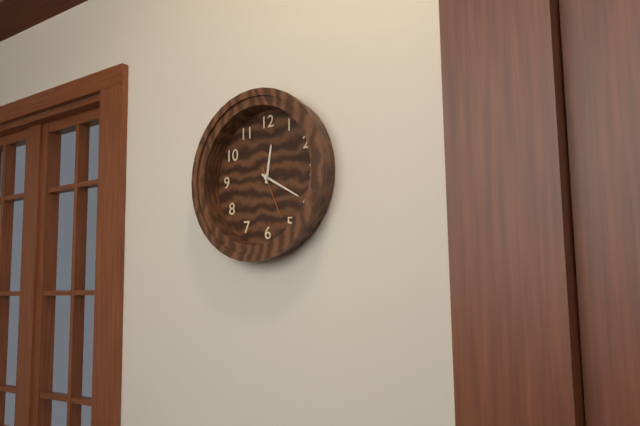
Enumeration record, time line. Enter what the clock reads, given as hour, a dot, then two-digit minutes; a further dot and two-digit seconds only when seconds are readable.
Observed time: 12.20.26
